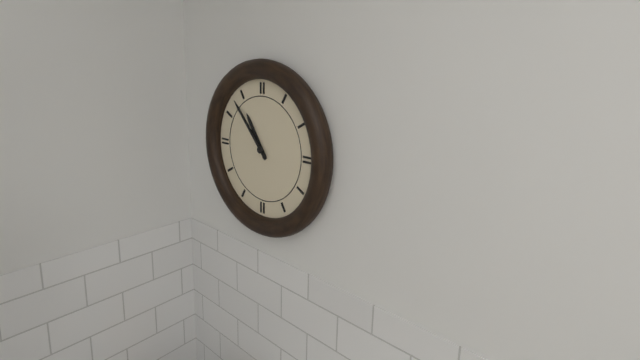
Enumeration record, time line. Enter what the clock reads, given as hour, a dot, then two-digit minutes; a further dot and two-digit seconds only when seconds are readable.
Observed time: 10.53
